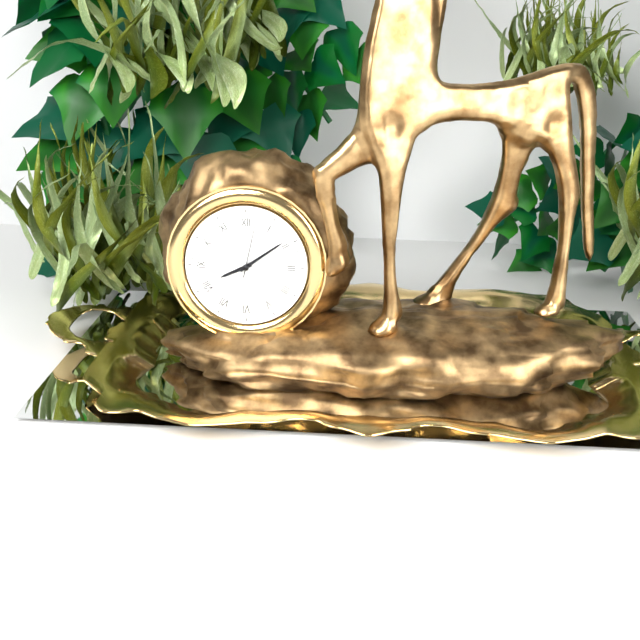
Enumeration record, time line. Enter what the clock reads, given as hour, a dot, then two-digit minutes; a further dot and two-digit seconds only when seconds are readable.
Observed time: 8.09.02
